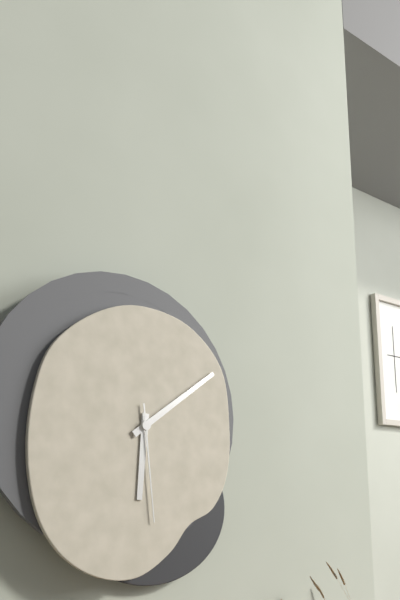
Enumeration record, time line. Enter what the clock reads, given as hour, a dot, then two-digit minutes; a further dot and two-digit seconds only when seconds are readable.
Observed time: 6.09.29
